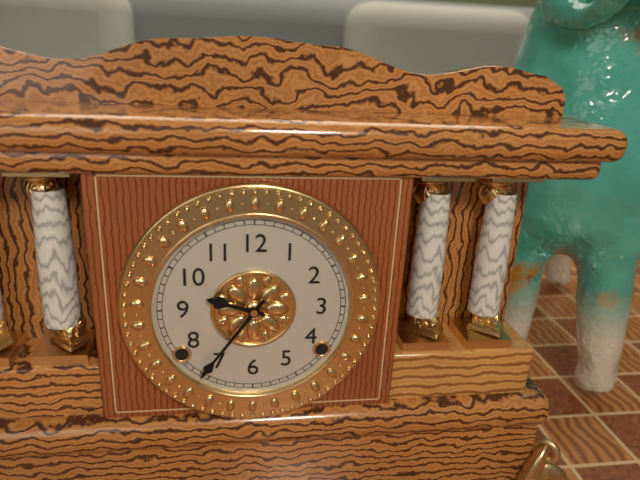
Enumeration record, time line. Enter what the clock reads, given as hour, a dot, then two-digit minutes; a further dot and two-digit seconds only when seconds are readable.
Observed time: 9.36
